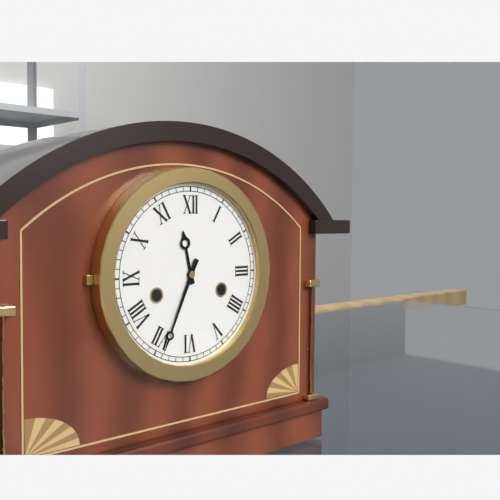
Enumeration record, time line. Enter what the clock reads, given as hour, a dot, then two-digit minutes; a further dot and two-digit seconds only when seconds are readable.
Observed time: 11.34
